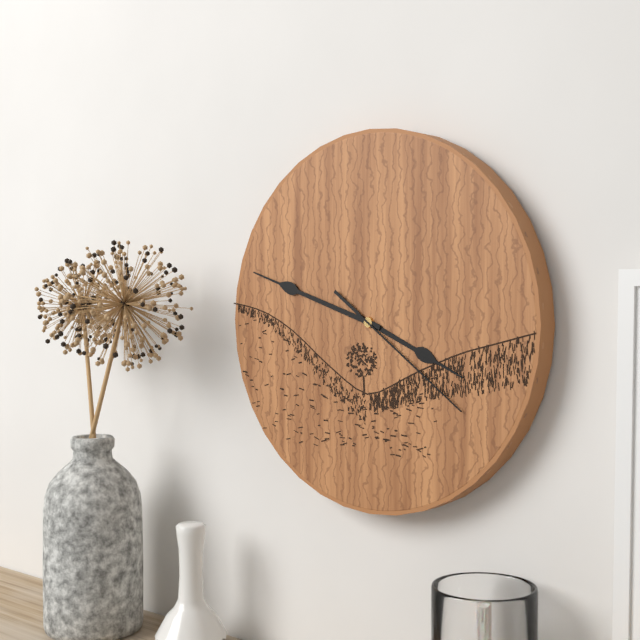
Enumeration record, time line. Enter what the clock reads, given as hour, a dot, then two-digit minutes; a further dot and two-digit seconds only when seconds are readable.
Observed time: 3.48.21
